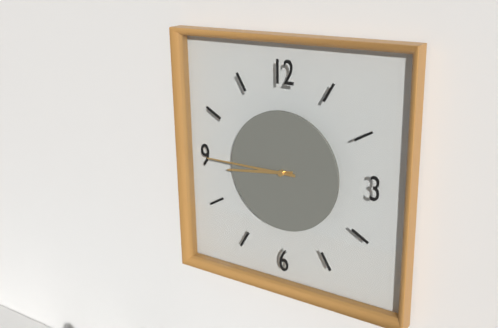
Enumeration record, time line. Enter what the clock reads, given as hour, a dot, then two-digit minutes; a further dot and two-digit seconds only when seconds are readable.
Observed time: 8.45
